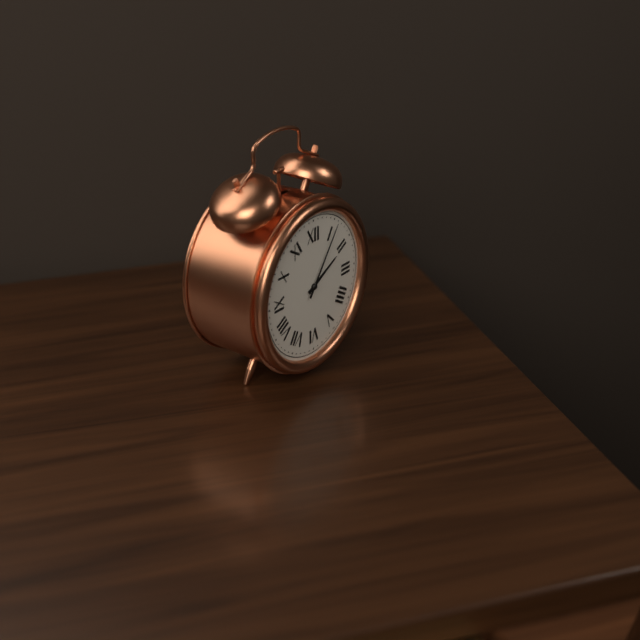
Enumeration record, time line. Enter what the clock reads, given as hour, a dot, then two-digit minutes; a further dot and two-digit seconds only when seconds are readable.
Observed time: 2.06
